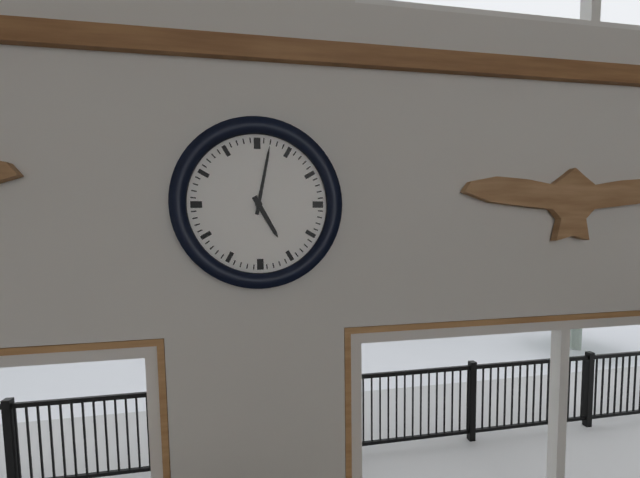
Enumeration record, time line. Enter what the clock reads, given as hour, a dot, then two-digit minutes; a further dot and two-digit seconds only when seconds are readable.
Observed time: 5.02
